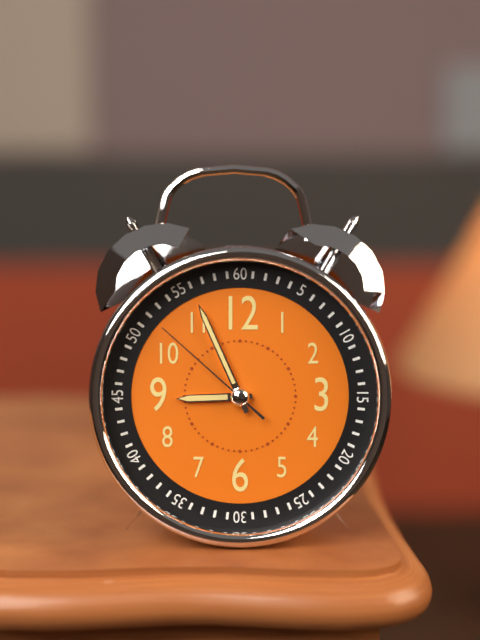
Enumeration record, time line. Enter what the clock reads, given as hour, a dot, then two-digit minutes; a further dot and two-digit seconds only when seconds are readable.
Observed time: 8.56.52
